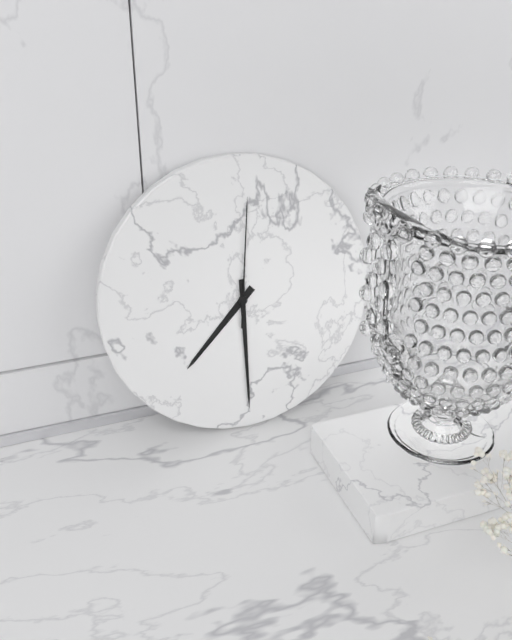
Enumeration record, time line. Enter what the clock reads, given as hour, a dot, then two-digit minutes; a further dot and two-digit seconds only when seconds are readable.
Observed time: 7.30.01
